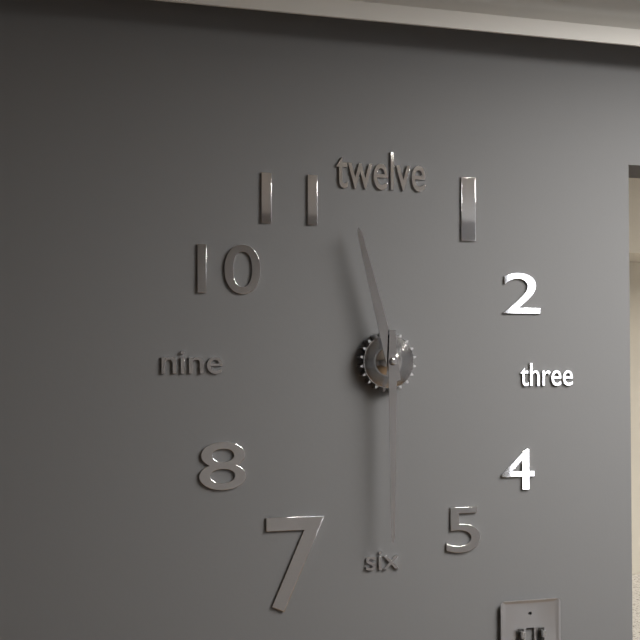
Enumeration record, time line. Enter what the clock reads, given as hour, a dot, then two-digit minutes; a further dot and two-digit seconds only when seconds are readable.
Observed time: 11.30
